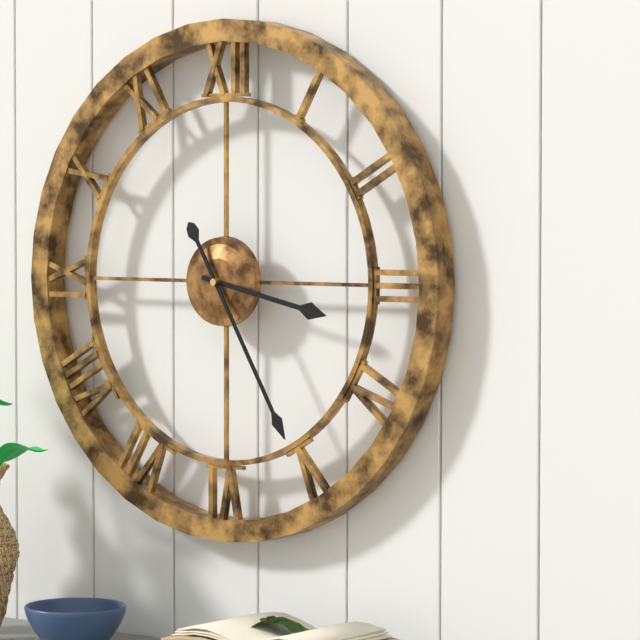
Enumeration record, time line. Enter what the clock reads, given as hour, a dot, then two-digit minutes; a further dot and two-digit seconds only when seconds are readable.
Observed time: 3.25
